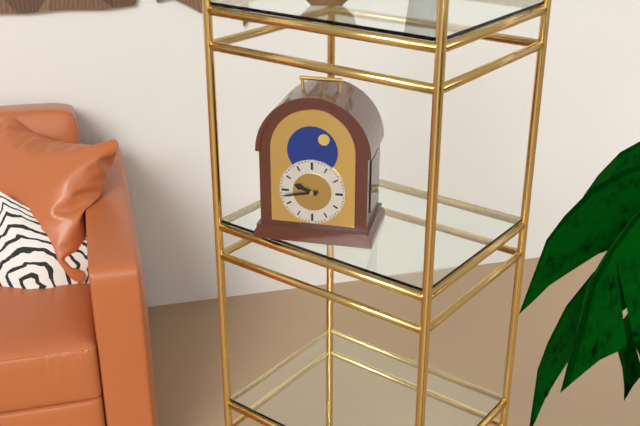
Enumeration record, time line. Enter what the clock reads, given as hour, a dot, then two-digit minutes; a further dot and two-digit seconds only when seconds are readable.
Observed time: 9.43
